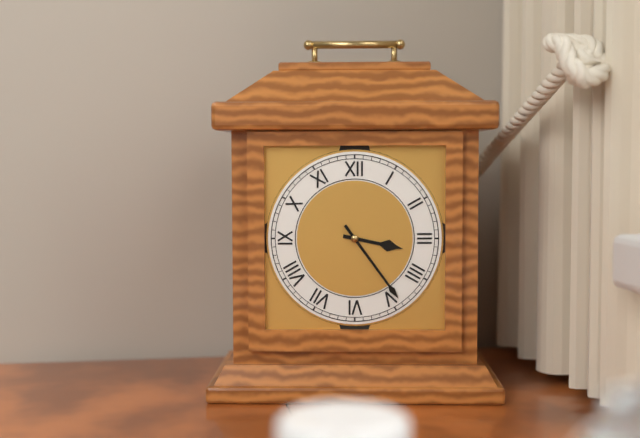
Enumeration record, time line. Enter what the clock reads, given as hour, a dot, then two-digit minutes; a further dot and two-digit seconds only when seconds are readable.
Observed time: 3.24
